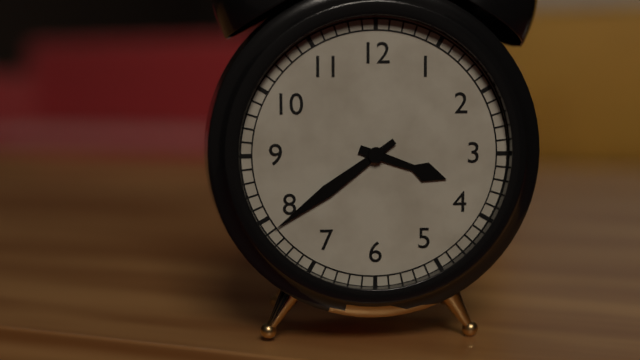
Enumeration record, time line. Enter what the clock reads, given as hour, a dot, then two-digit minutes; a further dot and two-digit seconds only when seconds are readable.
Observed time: 3.39
